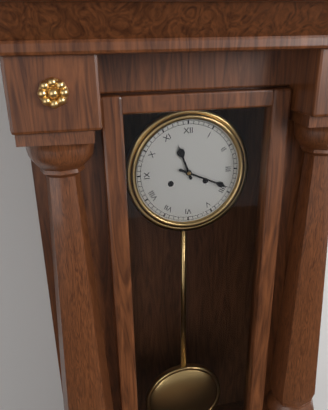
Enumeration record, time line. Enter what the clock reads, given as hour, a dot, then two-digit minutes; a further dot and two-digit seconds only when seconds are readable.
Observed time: 11.19
